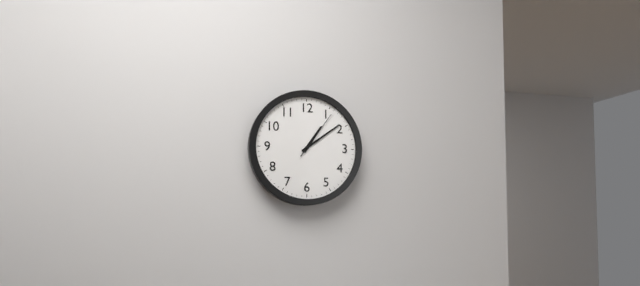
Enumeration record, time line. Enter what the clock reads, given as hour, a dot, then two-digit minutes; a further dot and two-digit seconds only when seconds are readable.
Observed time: 1.09.06
